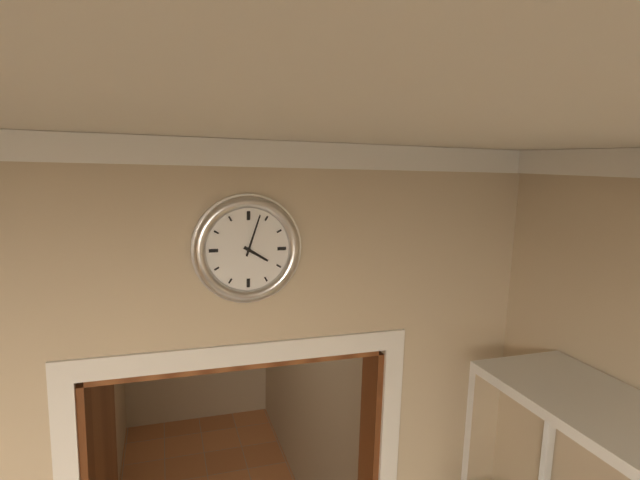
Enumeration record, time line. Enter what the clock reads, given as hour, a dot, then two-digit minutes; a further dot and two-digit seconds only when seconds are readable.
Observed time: 4.03
